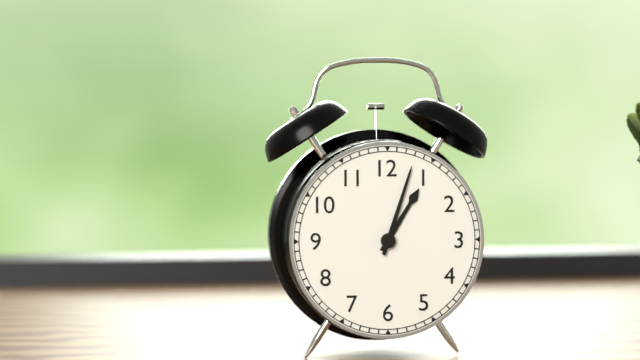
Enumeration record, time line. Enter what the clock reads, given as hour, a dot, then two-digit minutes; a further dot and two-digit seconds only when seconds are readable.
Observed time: 1.03
